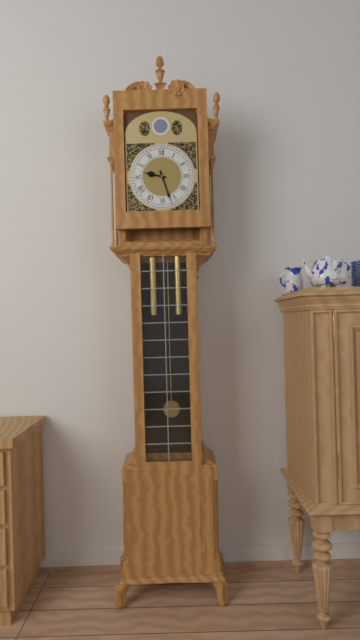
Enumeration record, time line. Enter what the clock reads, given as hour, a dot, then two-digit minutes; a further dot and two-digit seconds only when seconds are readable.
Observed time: 9.27
